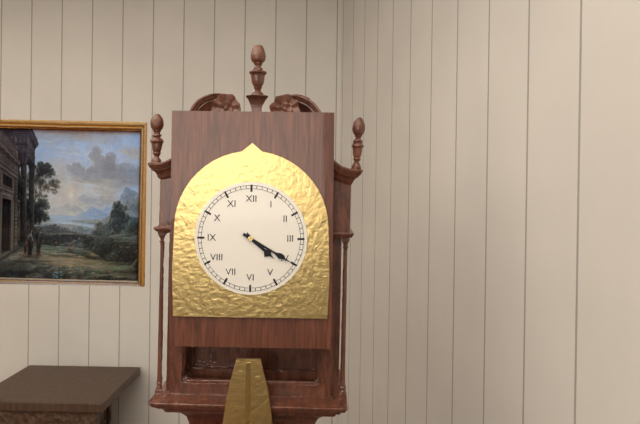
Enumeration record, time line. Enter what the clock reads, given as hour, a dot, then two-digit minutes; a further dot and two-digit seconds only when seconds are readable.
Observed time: 4.20
